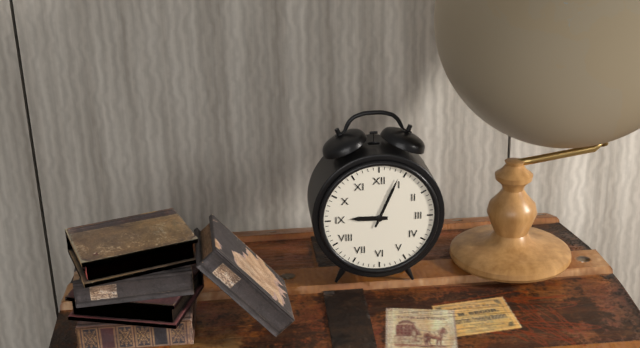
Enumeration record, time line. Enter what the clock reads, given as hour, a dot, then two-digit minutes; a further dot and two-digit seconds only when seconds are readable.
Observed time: 9.04
